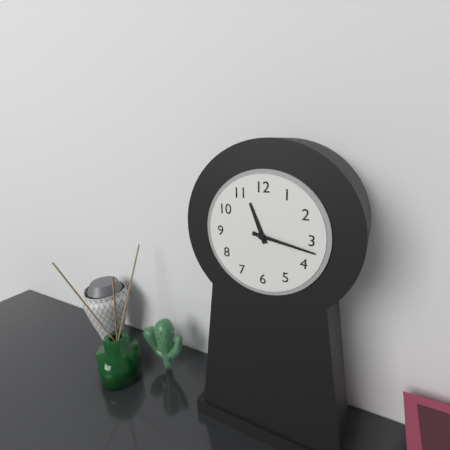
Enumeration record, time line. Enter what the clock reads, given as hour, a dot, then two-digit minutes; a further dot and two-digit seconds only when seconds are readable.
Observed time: 11.17
